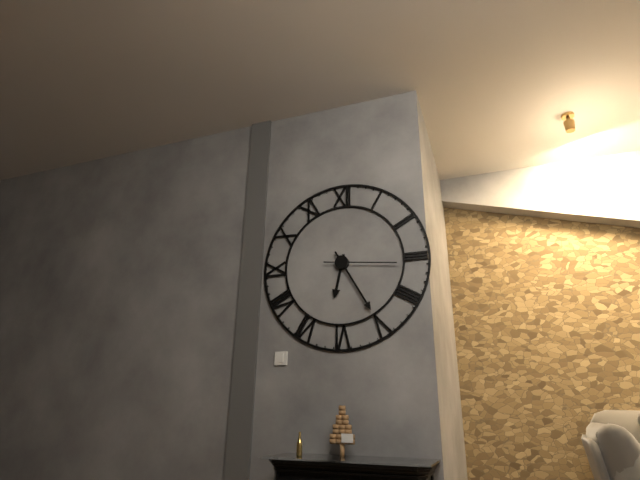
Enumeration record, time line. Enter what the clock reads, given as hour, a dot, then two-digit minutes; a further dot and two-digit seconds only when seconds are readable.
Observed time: 6.25.16
